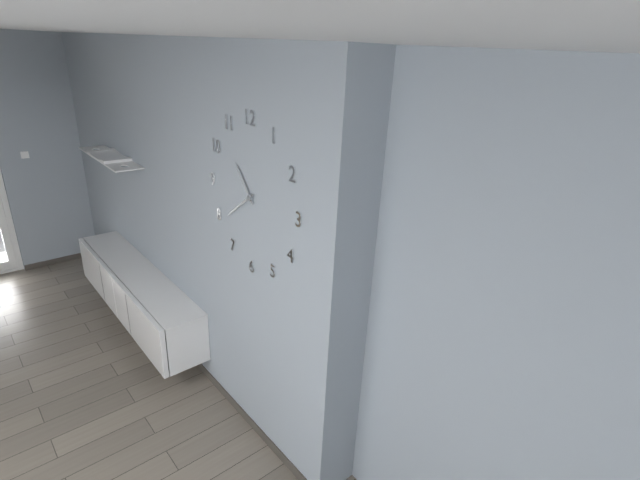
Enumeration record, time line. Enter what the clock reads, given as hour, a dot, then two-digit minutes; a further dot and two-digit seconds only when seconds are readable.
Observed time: 10.39
